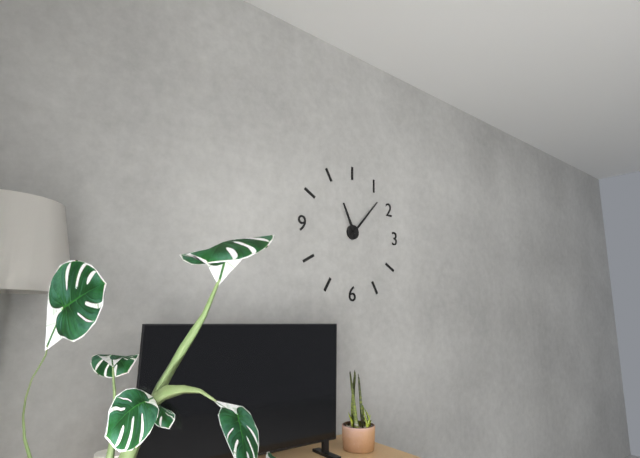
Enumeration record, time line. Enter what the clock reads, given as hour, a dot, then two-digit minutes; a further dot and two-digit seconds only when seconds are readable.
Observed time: 11.07
